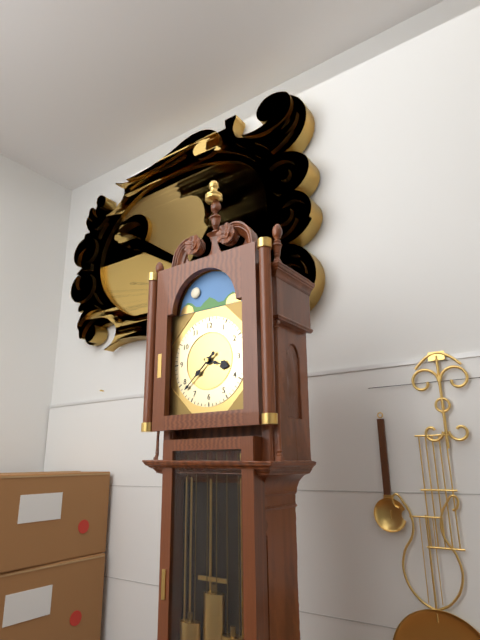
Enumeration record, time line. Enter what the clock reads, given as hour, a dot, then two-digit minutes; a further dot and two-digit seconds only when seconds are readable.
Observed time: 3.38
